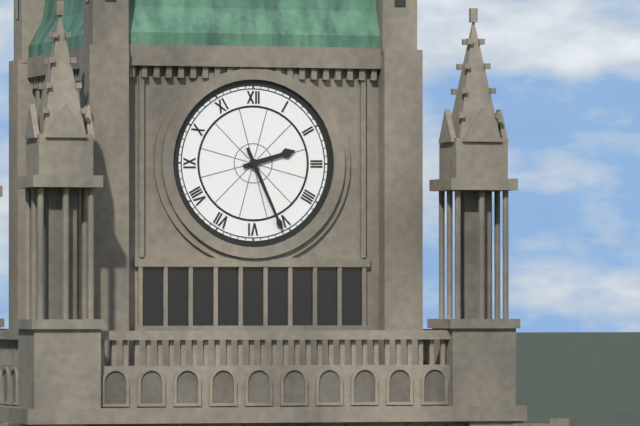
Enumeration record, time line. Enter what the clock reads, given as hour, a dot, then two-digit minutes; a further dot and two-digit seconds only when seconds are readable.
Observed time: 2.26
